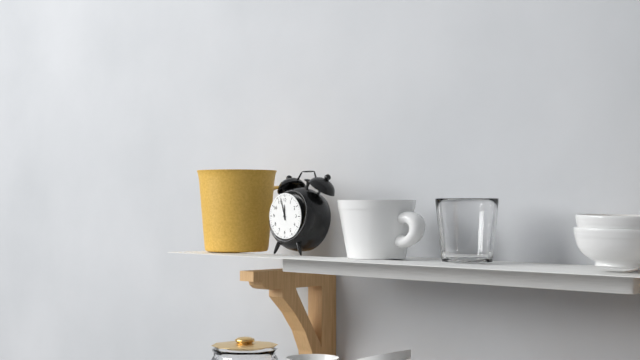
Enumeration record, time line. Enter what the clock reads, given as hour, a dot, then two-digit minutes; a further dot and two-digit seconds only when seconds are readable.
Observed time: 11.57
